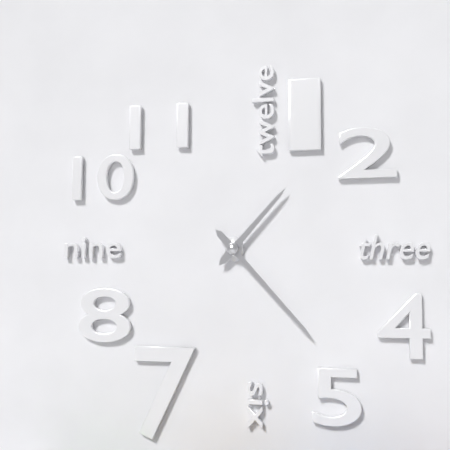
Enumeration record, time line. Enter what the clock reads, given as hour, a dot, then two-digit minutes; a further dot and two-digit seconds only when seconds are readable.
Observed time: 1.23
